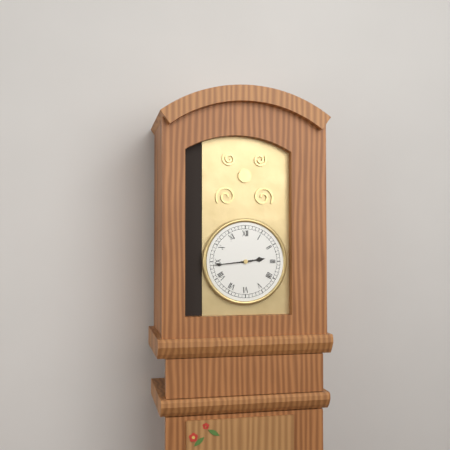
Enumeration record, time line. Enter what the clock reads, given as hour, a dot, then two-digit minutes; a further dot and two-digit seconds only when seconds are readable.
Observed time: 2.44
